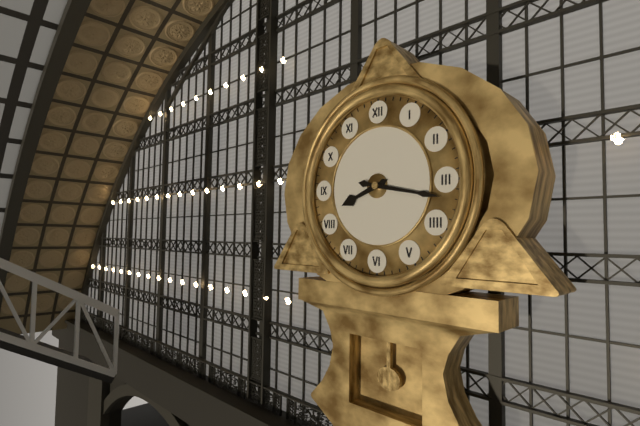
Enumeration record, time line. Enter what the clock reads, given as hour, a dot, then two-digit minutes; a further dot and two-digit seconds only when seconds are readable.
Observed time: 8.17
